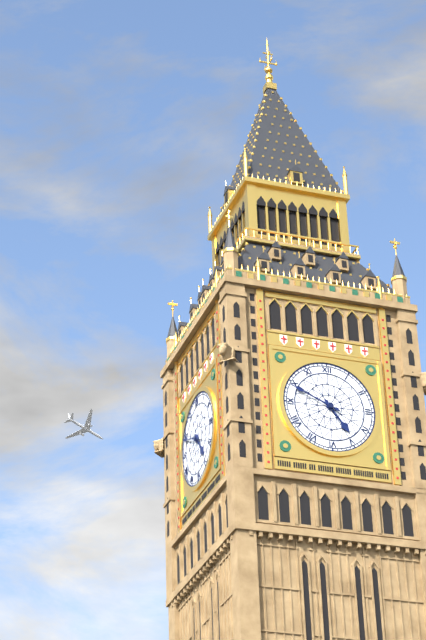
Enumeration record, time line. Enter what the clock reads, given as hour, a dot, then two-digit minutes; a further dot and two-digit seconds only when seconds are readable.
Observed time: 4.49
